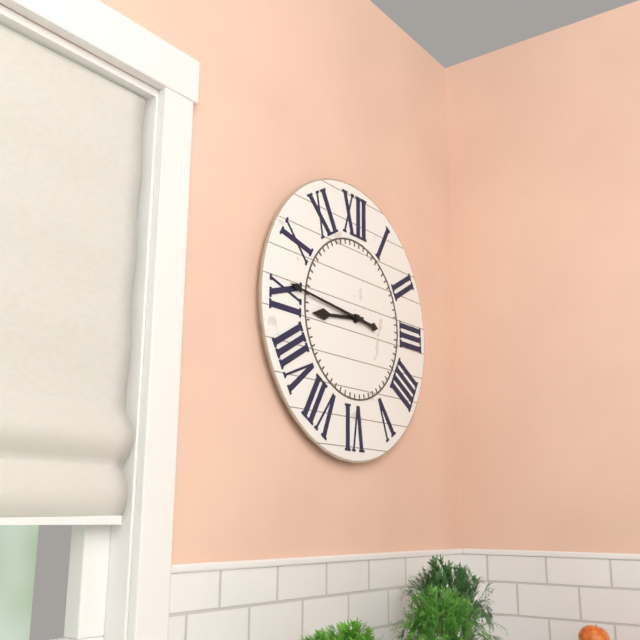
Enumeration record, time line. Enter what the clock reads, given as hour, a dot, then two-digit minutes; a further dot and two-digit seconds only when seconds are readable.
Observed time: 8.46
